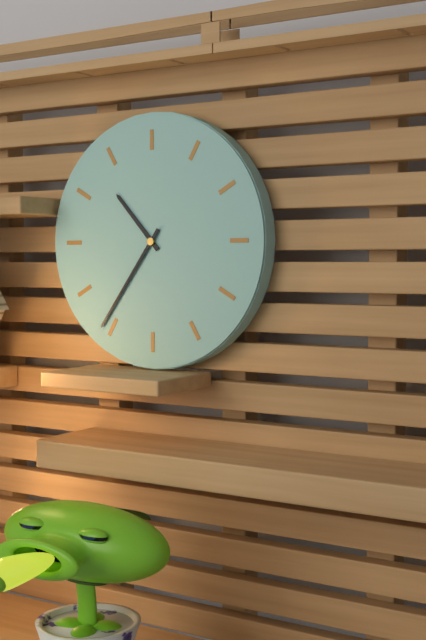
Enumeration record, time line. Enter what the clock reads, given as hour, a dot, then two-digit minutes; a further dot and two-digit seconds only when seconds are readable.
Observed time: 10.36
